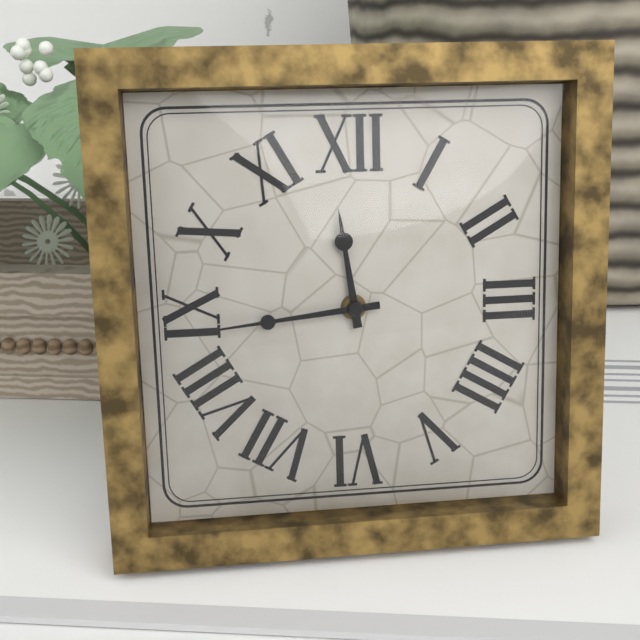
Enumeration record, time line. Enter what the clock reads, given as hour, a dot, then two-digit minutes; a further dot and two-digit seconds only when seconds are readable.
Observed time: 11.44
